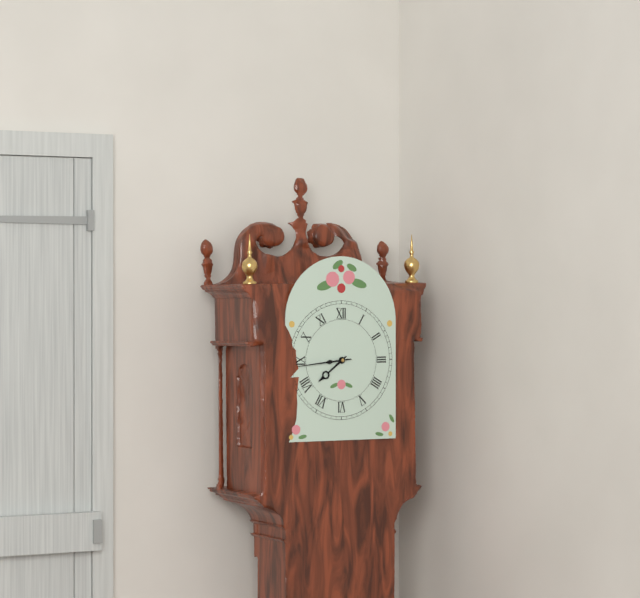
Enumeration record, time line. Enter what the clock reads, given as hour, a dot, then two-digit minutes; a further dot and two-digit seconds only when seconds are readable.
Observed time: 7.44
